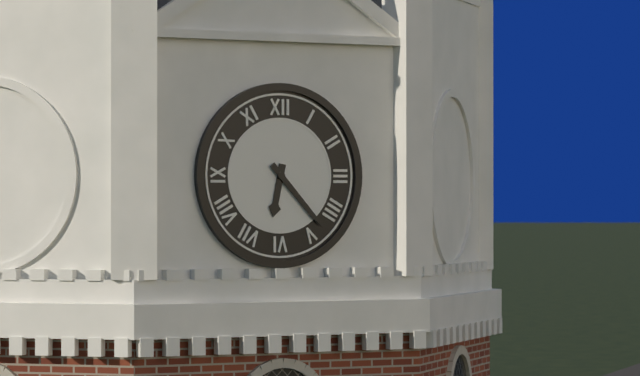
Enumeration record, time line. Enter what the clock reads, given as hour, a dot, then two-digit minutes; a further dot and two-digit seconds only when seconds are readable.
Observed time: 6.23
